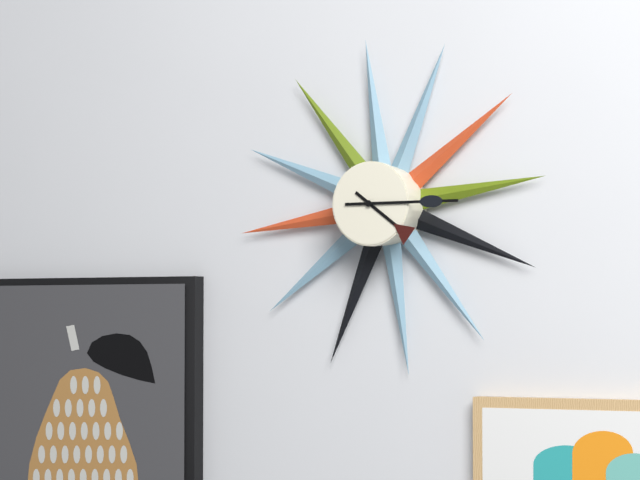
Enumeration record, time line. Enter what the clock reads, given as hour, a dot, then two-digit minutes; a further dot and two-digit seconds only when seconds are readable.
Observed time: 4.15
